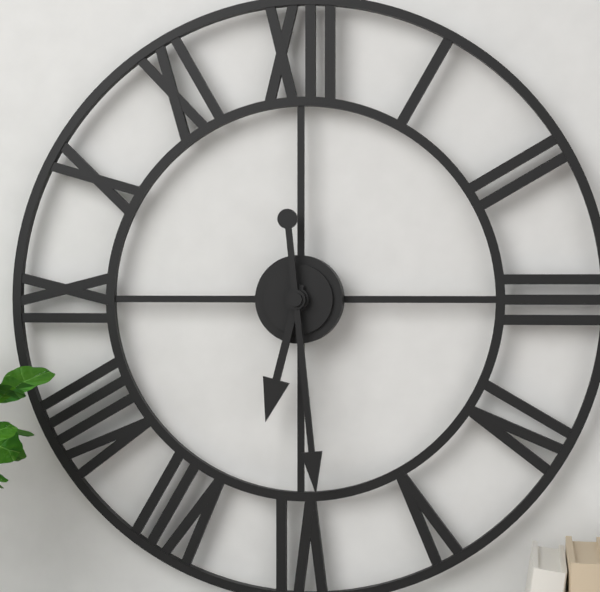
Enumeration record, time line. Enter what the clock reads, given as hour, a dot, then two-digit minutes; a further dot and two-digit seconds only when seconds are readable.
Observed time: 6.29
